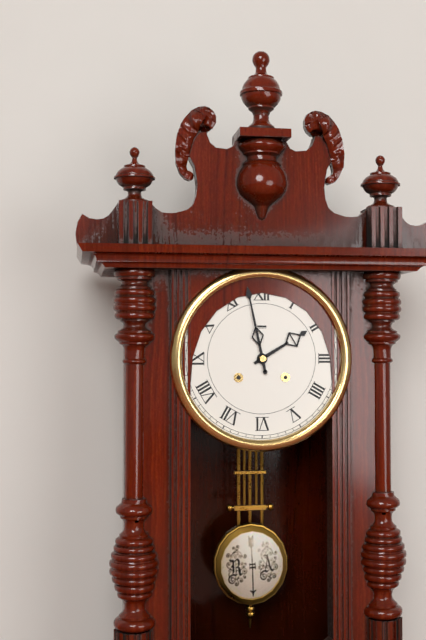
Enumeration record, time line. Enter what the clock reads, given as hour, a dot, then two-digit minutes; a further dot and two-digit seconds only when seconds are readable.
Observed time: 1.58
